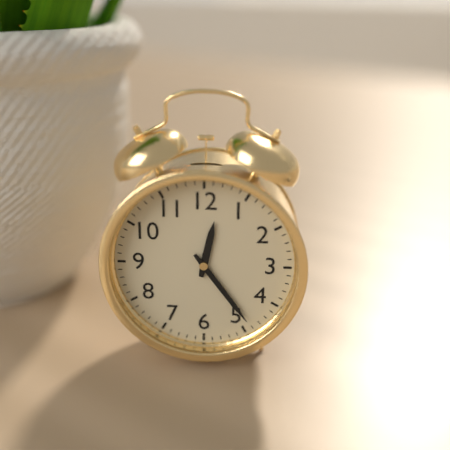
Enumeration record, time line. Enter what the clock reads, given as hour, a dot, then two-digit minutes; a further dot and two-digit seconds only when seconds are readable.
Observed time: 12.24
